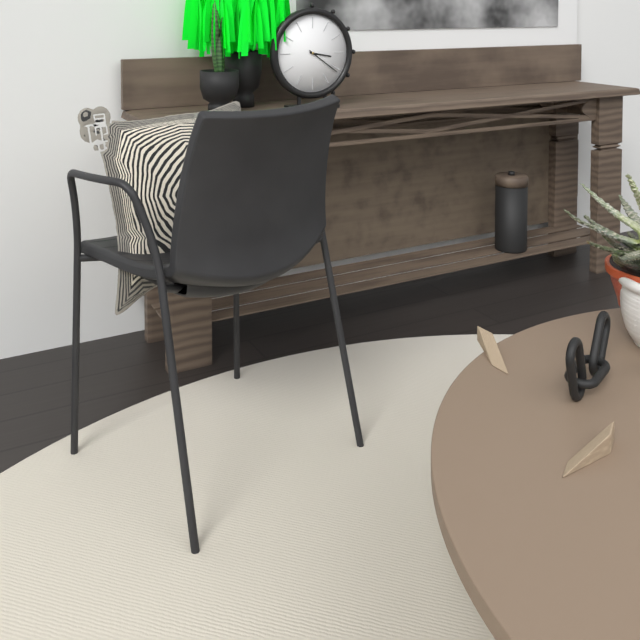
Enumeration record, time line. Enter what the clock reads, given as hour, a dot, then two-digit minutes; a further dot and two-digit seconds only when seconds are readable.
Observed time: 3.21
